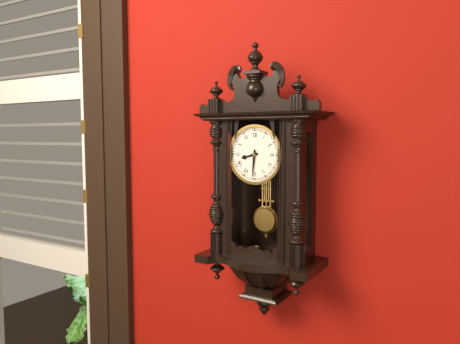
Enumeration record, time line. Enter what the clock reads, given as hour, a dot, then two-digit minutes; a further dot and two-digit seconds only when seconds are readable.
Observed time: 8.31
